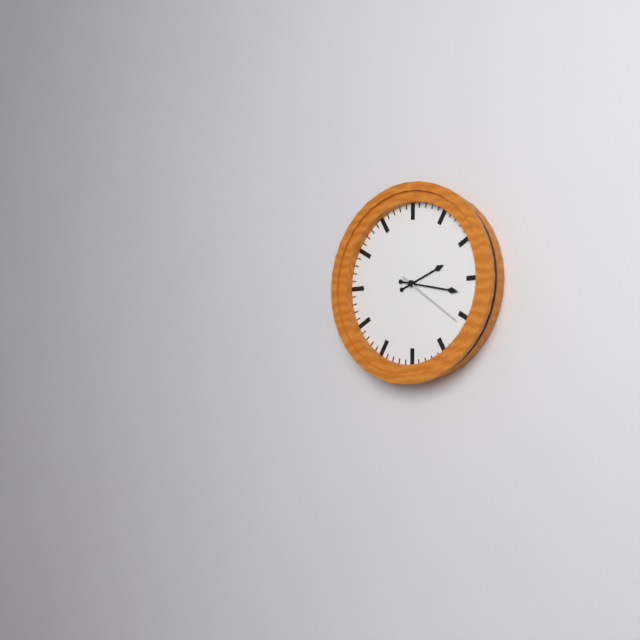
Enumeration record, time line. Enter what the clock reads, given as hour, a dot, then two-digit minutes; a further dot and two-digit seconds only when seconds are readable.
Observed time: 2.17.21
